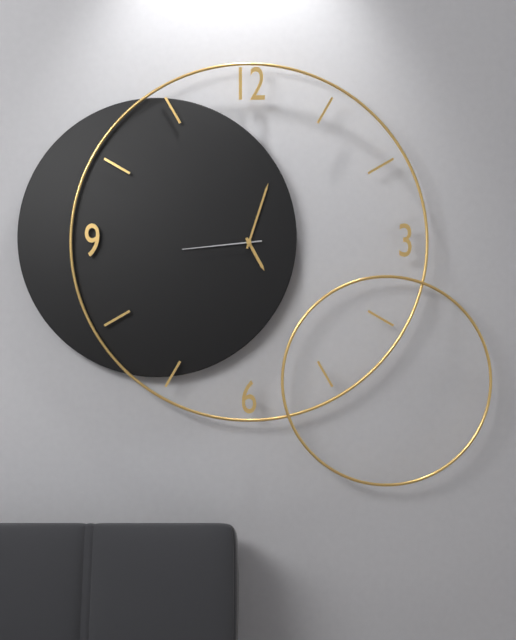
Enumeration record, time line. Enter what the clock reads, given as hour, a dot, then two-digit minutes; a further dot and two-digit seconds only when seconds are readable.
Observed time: 5.03.44
